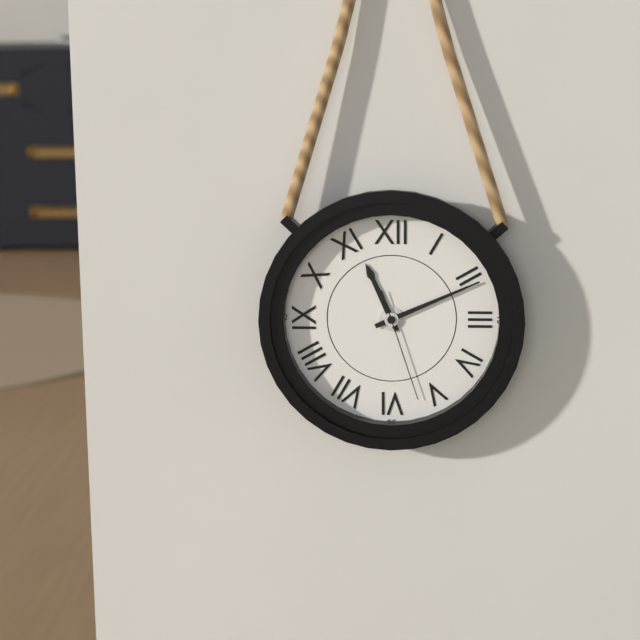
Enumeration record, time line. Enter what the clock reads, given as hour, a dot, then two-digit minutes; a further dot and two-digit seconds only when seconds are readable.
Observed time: 11.11.27
